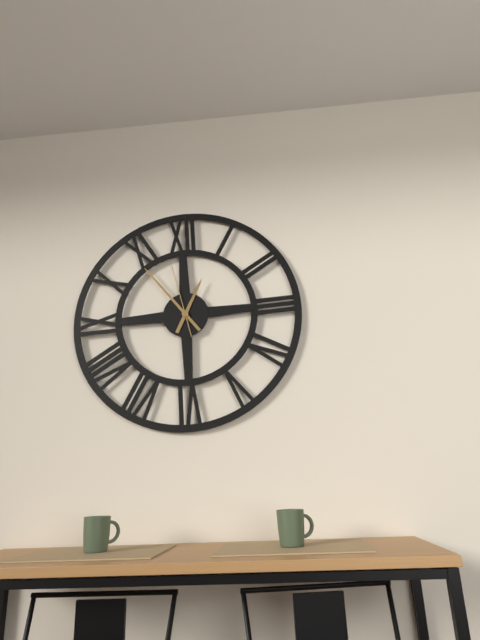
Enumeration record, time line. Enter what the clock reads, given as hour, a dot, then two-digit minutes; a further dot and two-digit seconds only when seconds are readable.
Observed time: 12.54.58
